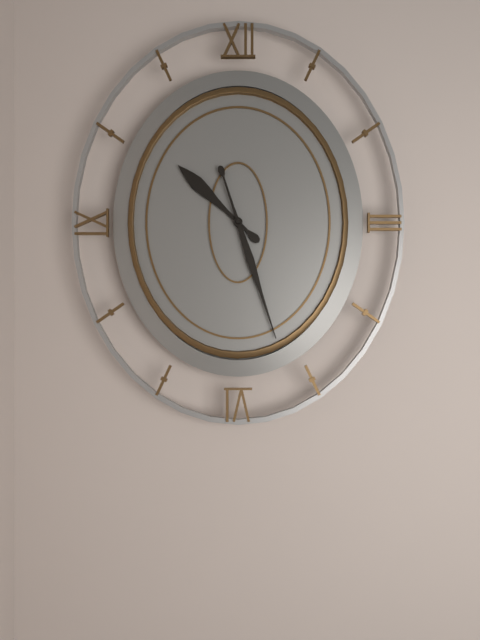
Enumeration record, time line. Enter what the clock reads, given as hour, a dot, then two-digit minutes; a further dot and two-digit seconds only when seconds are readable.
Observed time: 10.27
